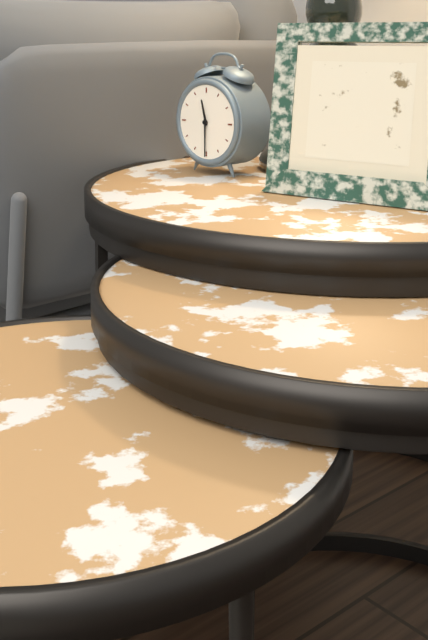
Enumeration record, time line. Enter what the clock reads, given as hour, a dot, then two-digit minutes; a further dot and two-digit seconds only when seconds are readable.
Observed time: 11.30
